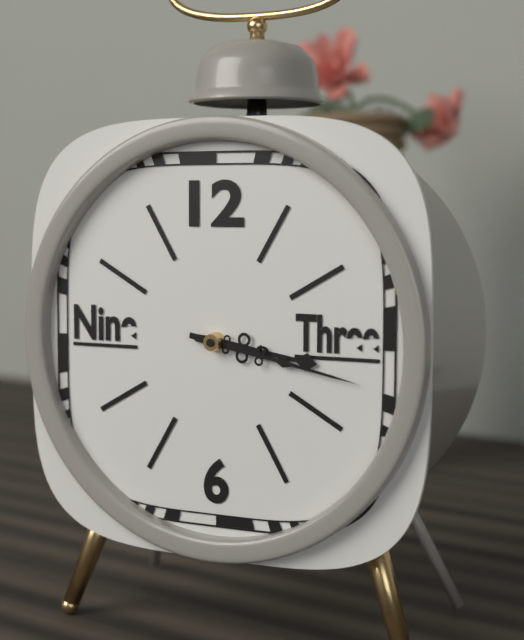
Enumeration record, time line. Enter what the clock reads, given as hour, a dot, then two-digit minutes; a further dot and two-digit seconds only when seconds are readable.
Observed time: 3.17
